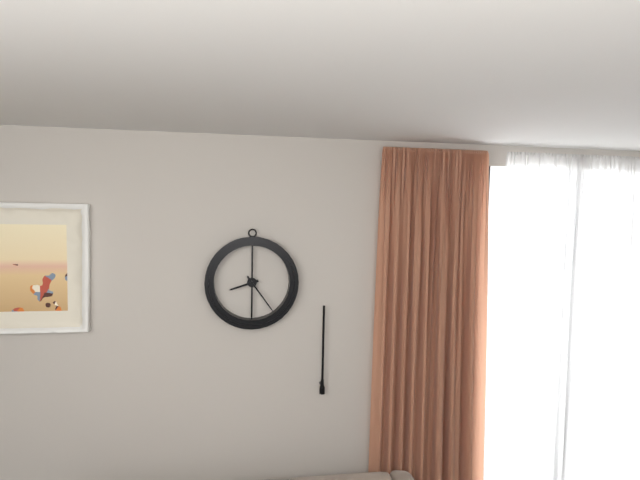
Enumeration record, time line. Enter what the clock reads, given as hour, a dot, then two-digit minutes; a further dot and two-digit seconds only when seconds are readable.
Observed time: 8.24
